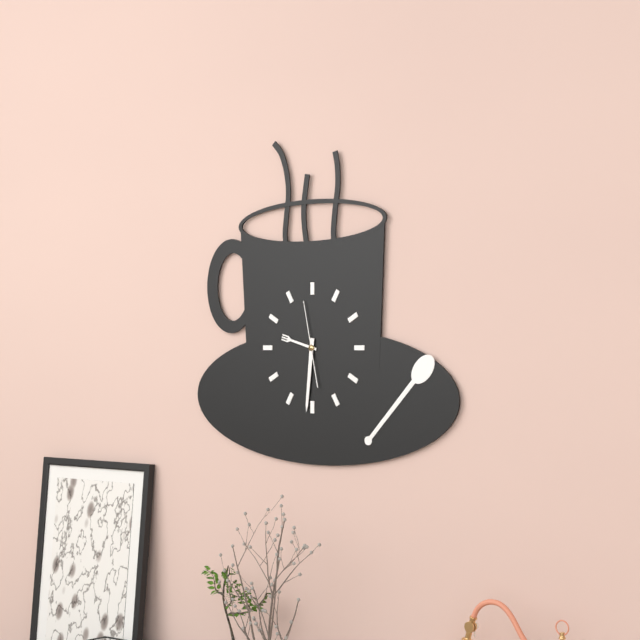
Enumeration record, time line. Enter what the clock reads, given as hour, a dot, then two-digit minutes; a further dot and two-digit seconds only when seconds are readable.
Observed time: 9.31.58
